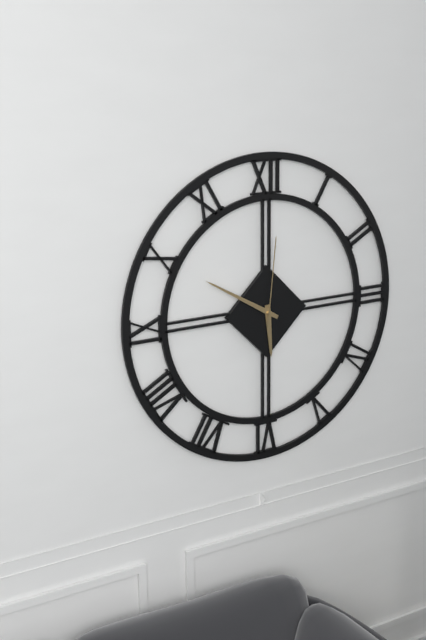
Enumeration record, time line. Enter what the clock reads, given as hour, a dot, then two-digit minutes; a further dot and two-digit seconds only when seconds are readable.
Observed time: 5.50.01
